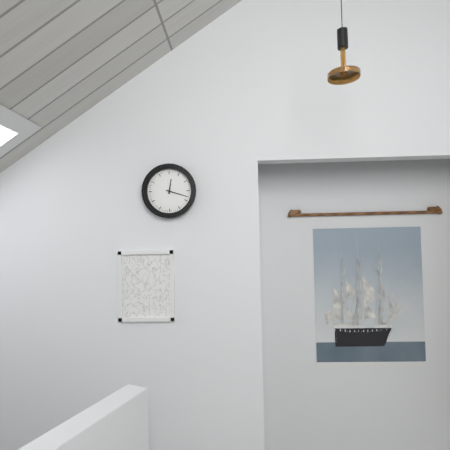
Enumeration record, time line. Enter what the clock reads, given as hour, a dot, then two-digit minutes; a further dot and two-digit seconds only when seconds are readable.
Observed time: 12.18
